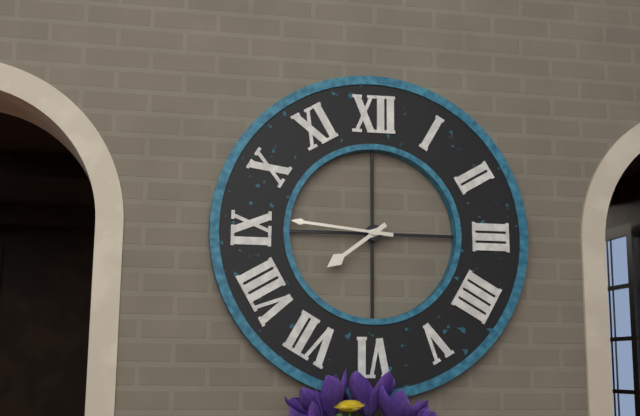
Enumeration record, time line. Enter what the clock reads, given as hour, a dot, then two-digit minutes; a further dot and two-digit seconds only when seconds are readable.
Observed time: 7.46
